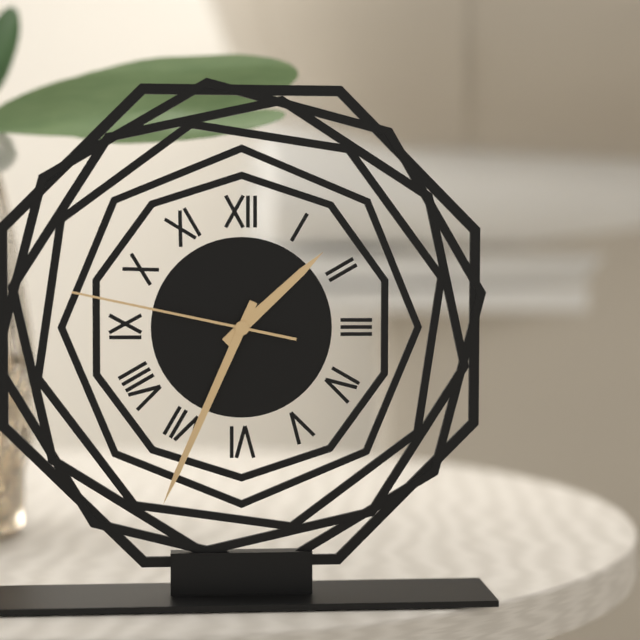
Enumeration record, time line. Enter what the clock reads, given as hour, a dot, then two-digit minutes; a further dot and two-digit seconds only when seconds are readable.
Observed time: 1.34.47
